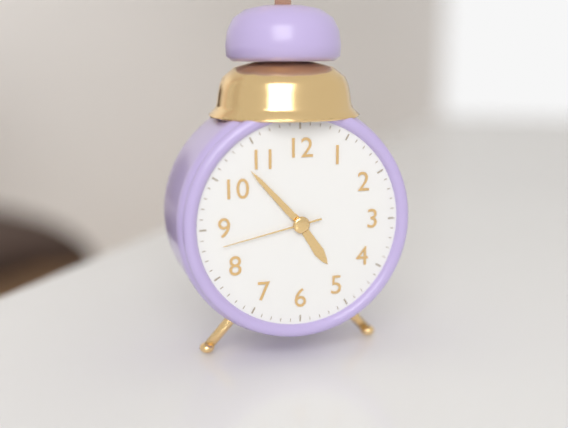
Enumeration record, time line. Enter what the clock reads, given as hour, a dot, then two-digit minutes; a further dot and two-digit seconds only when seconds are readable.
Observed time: 4.53.43
